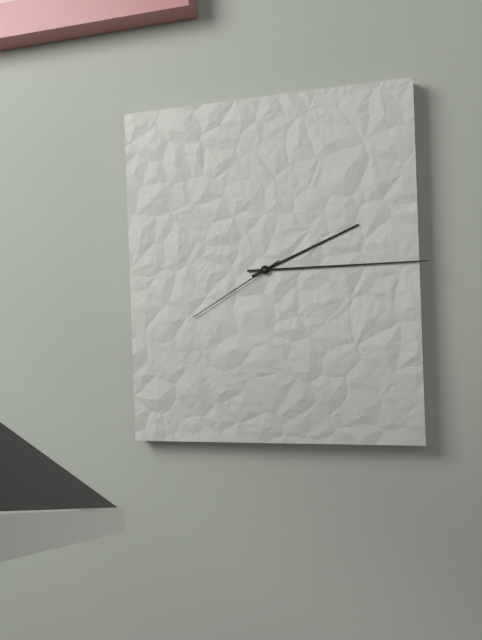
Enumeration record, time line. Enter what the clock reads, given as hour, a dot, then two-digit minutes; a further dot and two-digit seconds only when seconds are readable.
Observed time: 2.15.40
